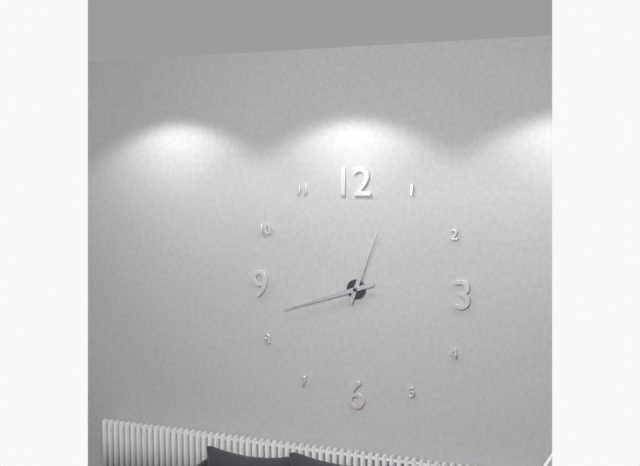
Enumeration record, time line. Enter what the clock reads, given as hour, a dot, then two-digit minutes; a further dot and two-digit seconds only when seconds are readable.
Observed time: 12.42
